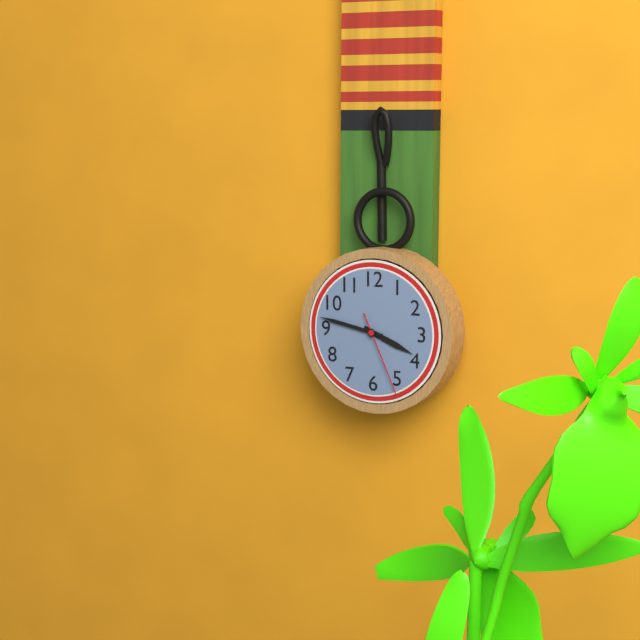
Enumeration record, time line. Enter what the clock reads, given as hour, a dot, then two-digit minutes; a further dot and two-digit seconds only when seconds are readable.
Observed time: 3.47.26
